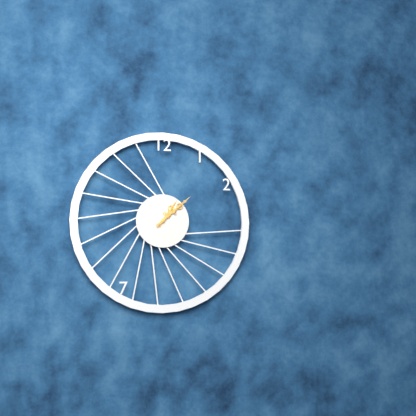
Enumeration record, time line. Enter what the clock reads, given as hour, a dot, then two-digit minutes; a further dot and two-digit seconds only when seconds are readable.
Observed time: 1.08
